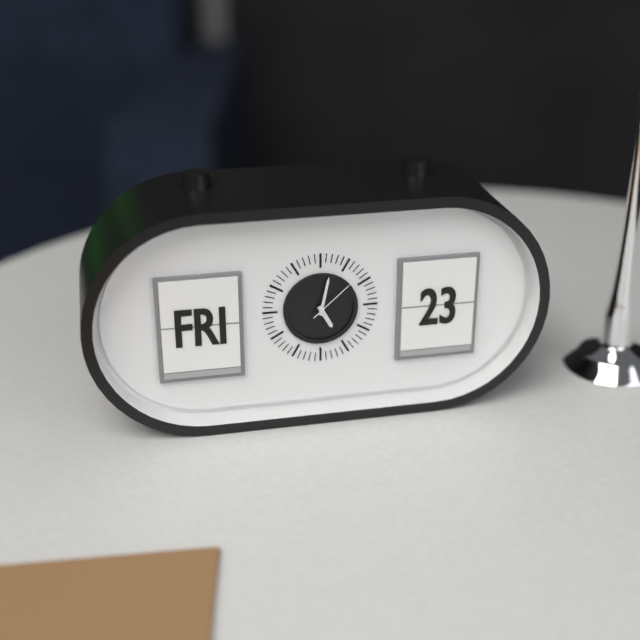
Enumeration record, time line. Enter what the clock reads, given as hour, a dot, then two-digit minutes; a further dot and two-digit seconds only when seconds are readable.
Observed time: 5.02
